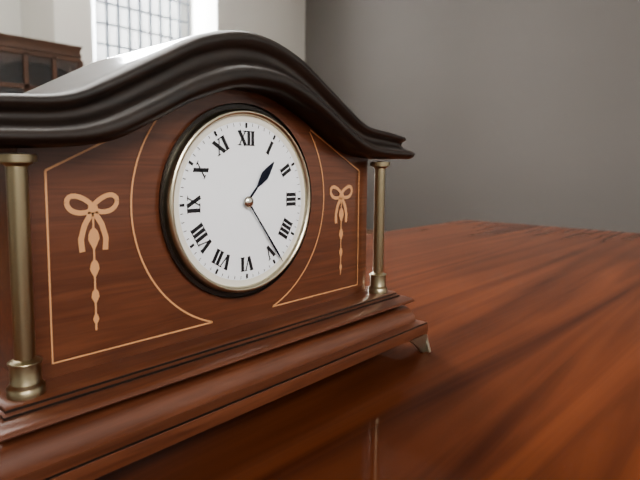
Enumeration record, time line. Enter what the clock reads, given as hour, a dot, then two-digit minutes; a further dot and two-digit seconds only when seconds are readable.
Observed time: 1.24
